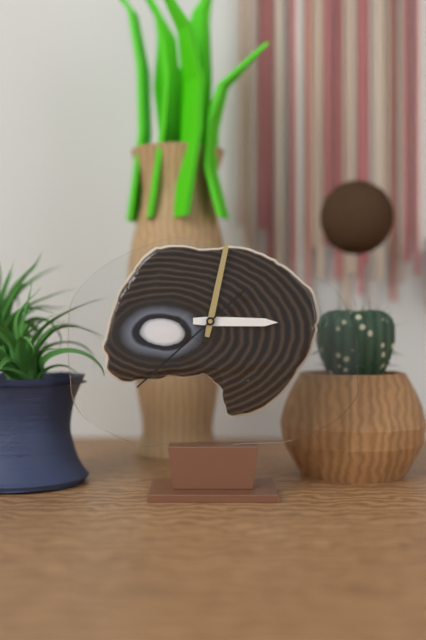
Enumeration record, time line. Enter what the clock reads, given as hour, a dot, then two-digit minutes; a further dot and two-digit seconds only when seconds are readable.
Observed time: 3.02.38
